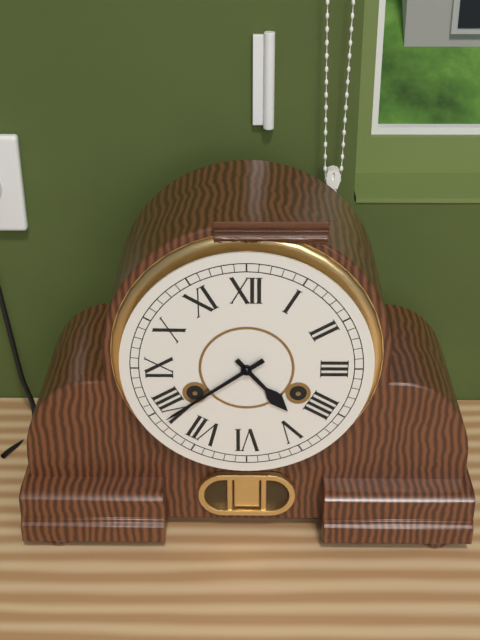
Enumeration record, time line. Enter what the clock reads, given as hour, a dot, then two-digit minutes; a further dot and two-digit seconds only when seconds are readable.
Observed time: 4.39
